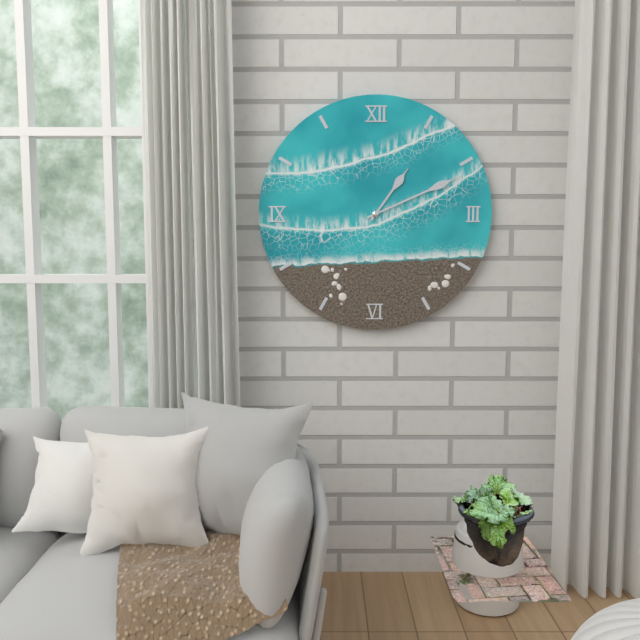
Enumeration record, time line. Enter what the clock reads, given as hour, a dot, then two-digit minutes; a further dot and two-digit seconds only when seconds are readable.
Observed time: 1.11
